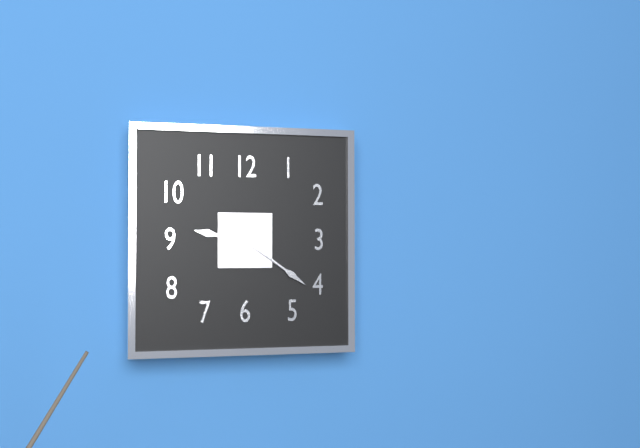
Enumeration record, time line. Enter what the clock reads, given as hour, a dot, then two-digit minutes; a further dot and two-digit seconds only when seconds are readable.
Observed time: 9.21
